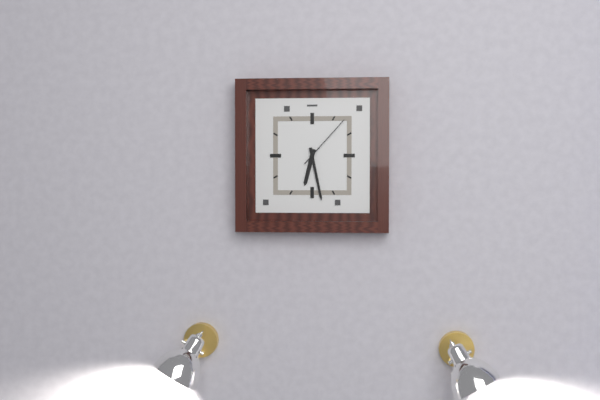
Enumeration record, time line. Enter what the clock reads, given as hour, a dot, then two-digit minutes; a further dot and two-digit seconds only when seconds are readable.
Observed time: 6.28.07
